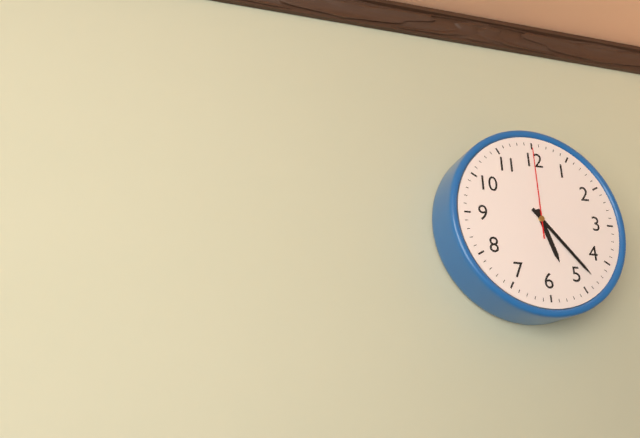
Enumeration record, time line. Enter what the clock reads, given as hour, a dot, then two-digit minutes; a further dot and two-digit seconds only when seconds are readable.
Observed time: 5.23.00
